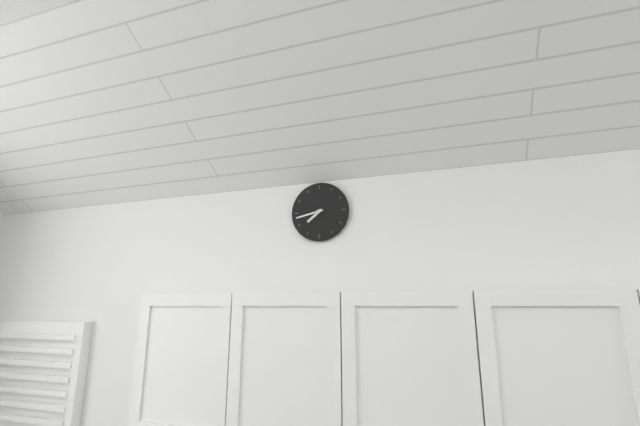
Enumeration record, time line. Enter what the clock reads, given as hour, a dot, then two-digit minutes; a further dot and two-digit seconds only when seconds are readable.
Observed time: 7.43
